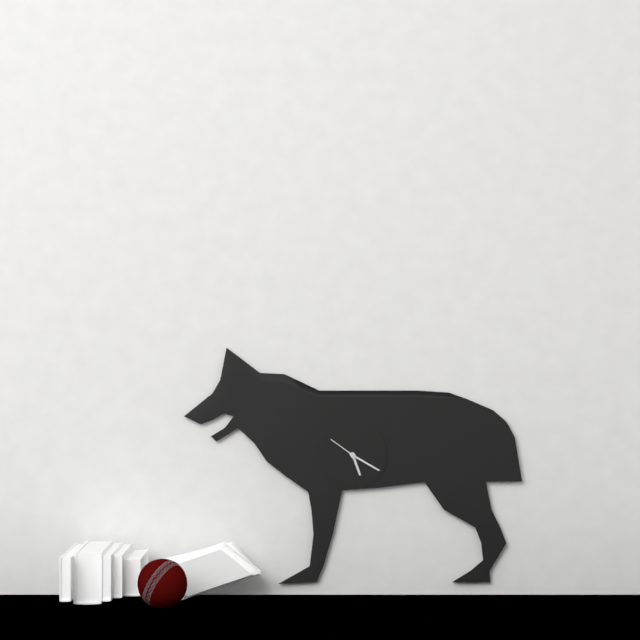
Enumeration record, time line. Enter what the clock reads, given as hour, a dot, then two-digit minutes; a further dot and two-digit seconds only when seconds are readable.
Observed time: 5.20
